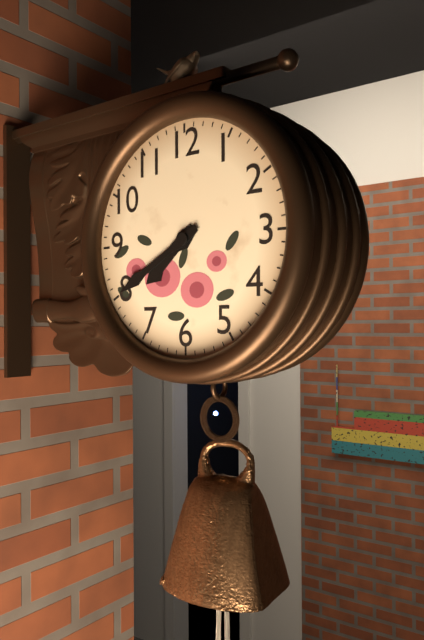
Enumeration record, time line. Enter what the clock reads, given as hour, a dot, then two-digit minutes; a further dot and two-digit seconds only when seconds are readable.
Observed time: 7.40
